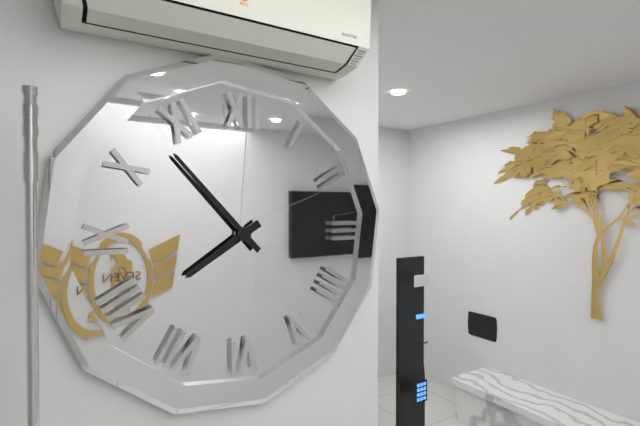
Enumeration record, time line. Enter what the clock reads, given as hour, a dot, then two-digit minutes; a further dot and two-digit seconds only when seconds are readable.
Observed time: 7.53
